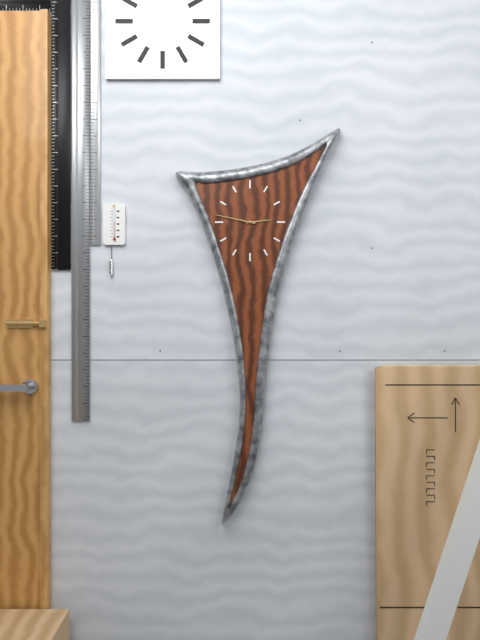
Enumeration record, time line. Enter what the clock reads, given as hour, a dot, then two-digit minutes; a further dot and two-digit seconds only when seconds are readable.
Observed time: 2.47
